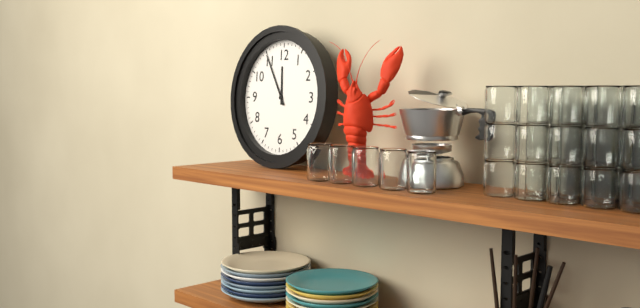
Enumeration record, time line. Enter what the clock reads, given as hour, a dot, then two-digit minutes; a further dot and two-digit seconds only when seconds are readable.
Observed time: 11.55
